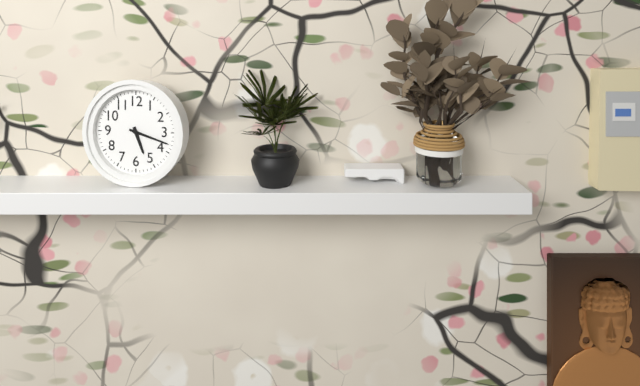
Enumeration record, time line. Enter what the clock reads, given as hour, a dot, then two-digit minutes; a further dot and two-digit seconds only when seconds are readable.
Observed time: 5.18
